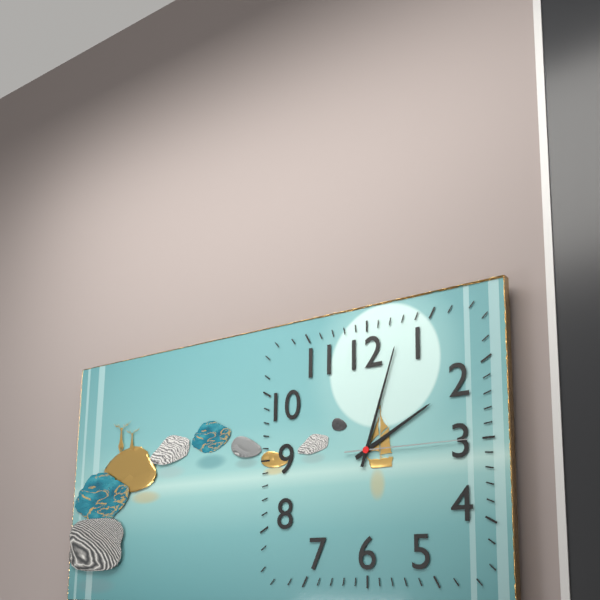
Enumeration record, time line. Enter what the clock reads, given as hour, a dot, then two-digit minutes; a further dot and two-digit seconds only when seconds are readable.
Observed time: 2.03.15
